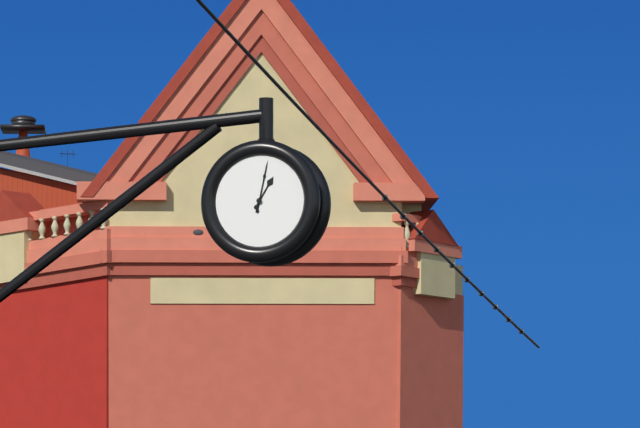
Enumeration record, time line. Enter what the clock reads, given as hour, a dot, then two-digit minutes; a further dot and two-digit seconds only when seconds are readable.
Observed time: 1.02
